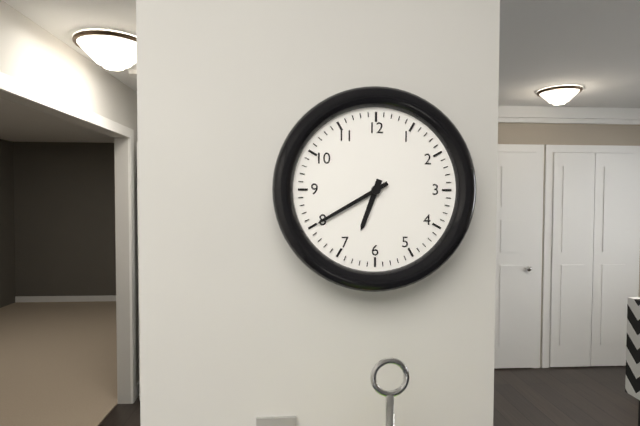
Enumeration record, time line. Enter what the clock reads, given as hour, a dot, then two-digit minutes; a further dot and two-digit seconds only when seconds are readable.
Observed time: 6.40
